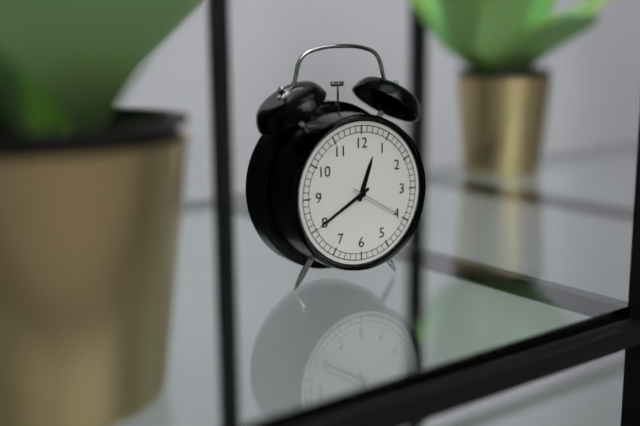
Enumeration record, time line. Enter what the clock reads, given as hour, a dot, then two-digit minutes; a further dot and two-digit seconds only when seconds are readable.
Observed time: 12.40
